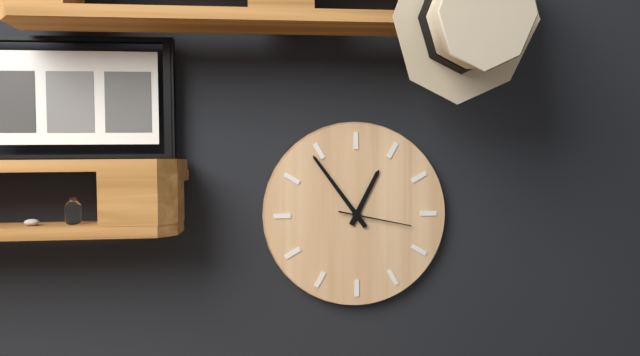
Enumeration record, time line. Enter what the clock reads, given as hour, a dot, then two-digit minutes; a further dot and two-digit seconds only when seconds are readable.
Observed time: 12.54.17
